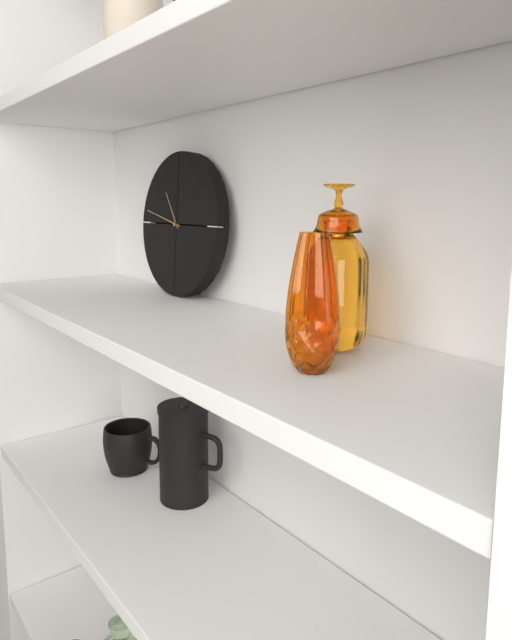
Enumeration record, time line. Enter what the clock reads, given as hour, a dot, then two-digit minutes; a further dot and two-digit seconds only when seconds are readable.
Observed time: 10.47
